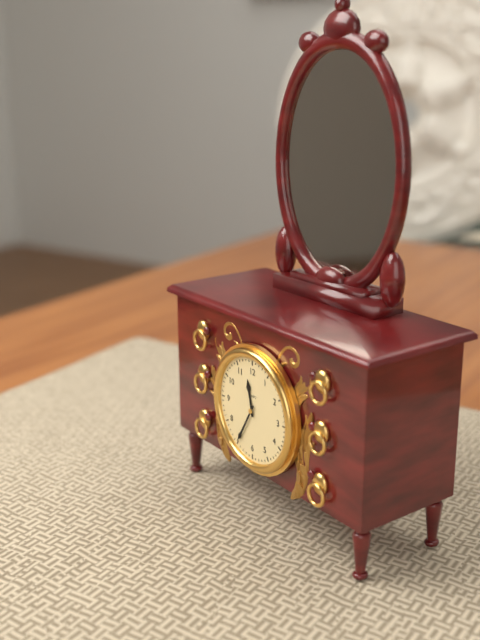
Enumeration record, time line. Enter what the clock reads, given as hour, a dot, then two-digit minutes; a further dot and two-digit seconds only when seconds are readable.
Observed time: 11.35
